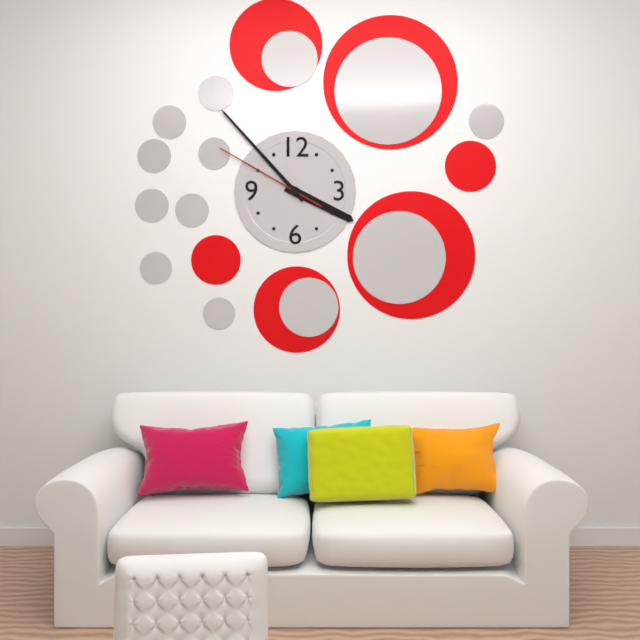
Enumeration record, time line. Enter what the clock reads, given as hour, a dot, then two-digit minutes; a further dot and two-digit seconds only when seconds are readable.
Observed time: 3.53.50
